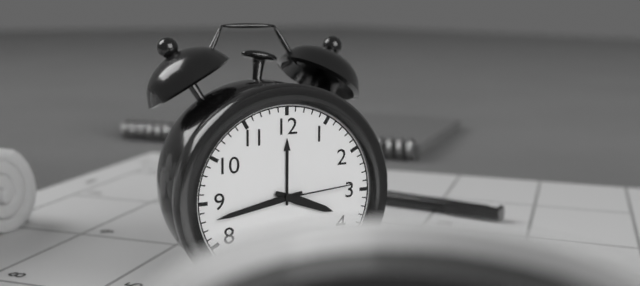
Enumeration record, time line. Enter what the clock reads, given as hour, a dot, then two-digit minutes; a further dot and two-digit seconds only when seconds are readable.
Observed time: 3.43.14
